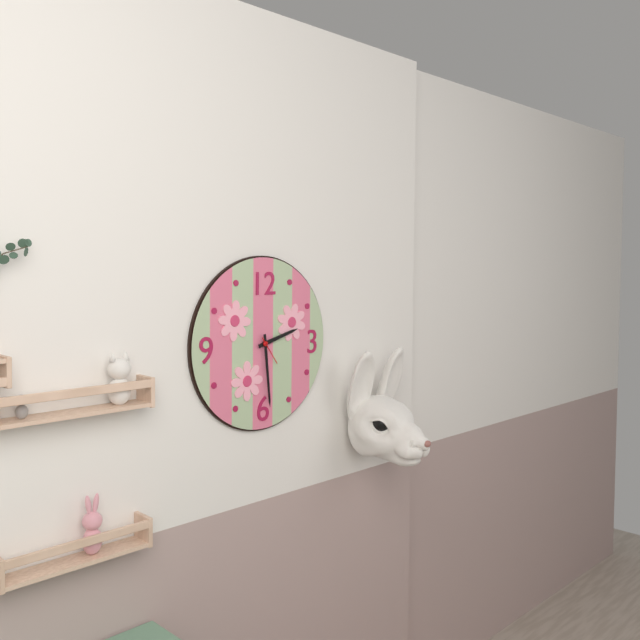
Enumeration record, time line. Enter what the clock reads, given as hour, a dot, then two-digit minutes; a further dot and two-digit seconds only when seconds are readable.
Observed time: 2.29
